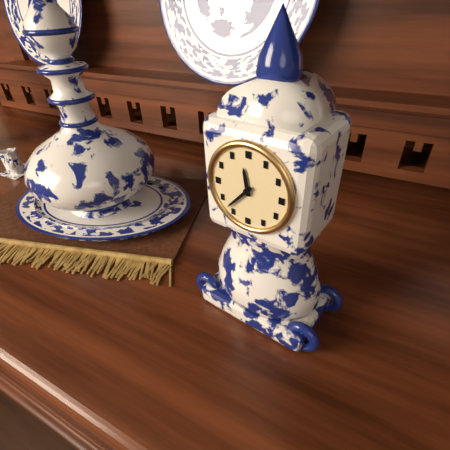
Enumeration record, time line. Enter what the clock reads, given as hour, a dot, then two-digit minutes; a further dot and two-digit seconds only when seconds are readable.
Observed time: 11.37
